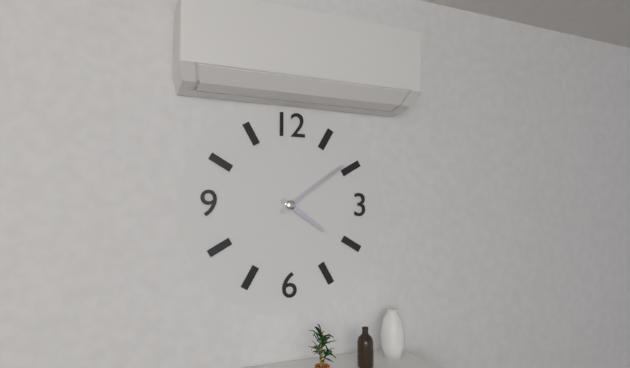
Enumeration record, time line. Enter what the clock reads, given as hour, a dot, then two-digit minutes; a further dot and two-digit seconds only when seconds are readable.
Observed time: 4.09
